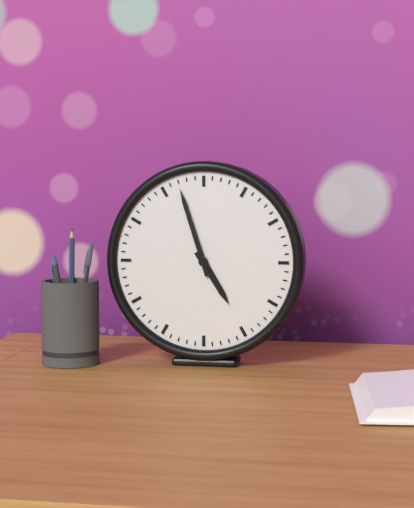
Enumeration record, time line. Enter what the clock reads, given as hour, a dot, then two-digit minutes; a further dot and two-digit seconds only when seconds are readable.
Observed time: 4.57
